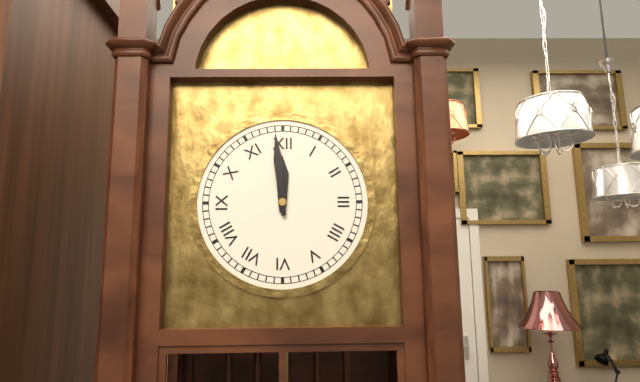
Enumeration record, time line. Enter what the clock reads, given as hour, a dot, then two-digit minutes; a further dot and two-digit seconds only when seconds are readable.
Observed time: 11.59
